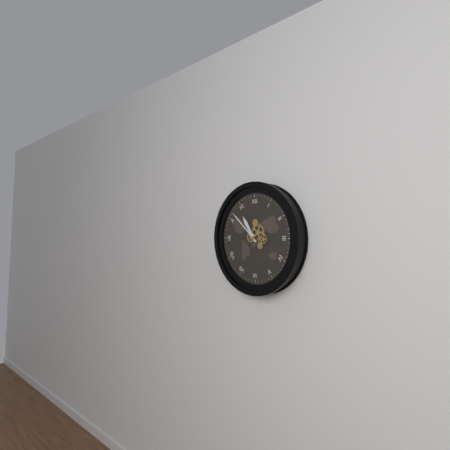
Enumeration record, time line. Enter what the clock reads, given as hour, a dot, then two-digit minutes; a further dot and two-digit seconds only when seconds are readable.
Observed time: 10.52
